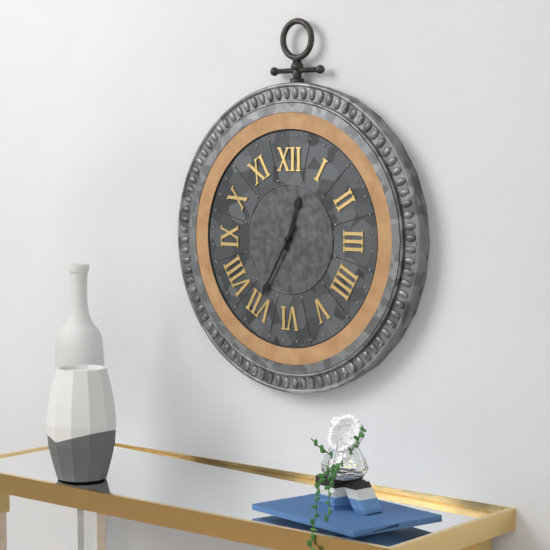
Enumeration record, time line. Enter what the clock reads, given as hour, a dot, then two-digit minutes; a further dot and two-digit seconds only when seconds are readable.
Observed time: 12.35
